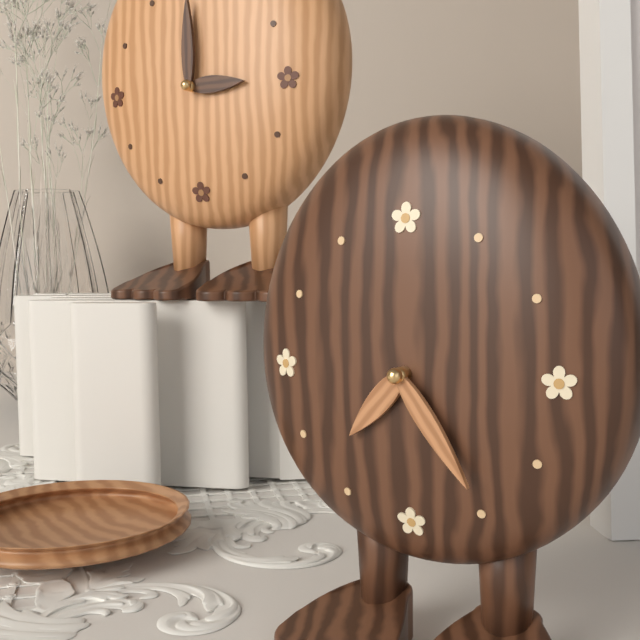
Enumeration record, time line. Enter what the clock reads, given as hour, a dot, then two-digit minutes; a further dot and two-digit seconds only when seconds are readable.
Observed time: 7.24
